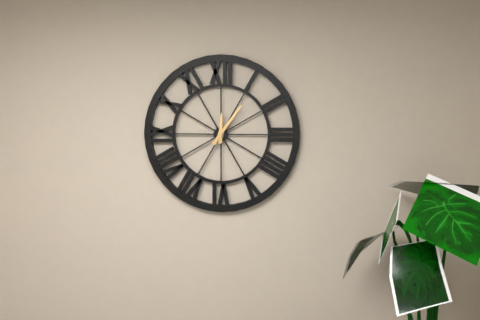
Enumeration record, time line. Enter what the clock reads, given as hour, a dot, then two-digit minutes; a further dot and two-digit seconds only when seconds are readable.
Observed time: 12.06
